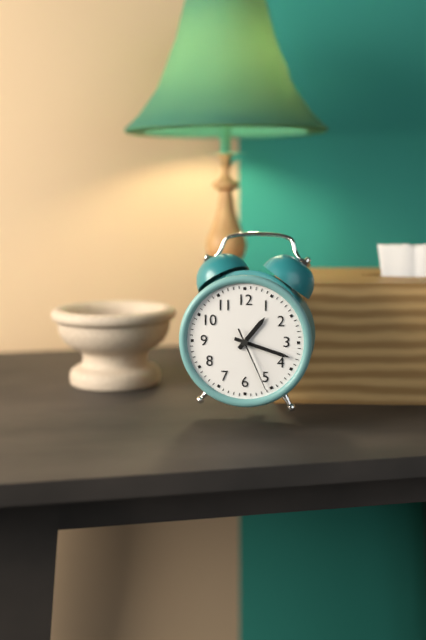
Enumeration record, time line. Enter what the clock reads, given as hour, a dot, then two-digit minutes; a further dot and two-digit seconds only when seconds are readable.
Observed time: 1.18.26
